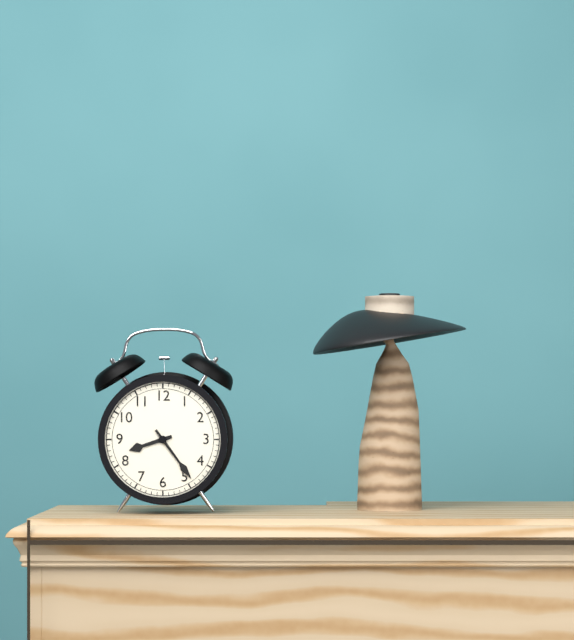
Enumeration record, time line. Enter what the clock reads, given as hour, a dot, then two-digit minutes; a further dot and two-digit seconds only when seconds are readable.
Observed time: 8.24
